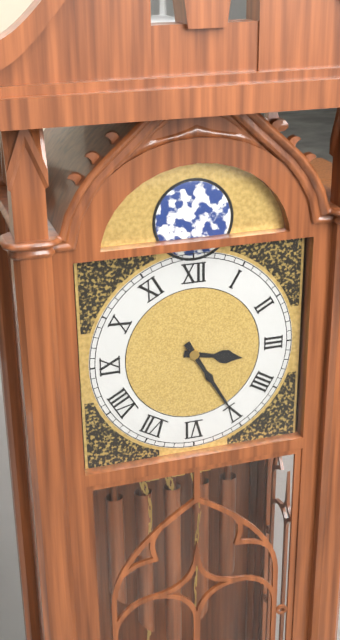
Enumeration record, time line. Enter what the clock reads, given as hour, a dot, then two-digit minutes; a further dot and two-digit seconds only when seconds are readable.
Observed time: 3.25
